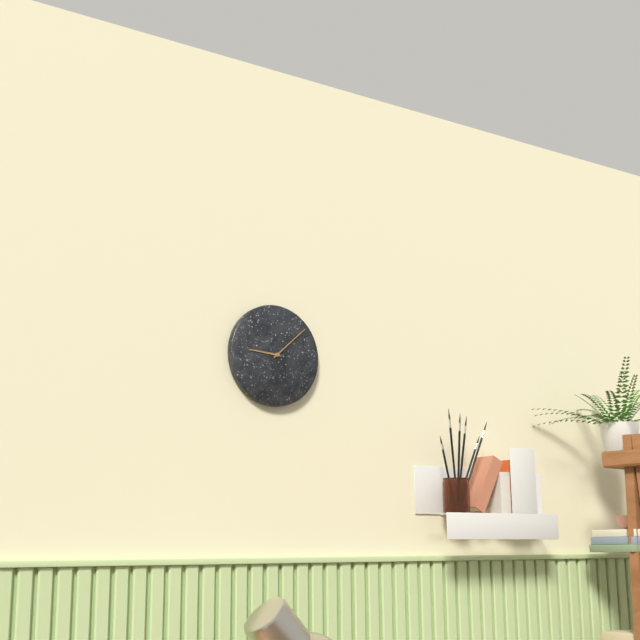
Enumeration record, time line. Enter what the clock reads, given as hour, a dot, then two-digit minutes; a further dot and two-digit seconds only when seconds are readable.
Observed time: 9.08
